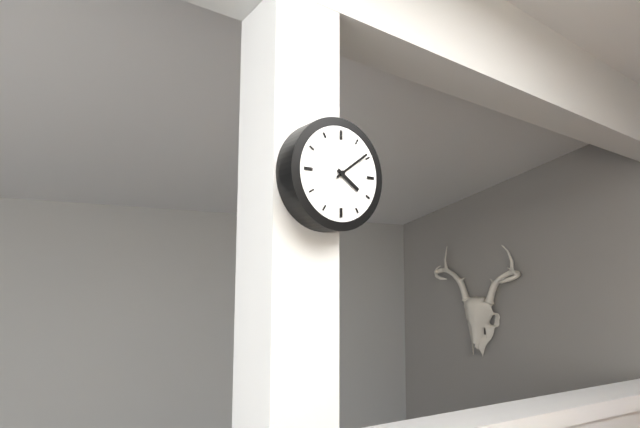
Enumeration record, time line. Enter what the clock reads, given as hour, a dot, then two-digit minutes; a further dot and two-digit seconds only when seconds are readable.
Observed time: 4.09
